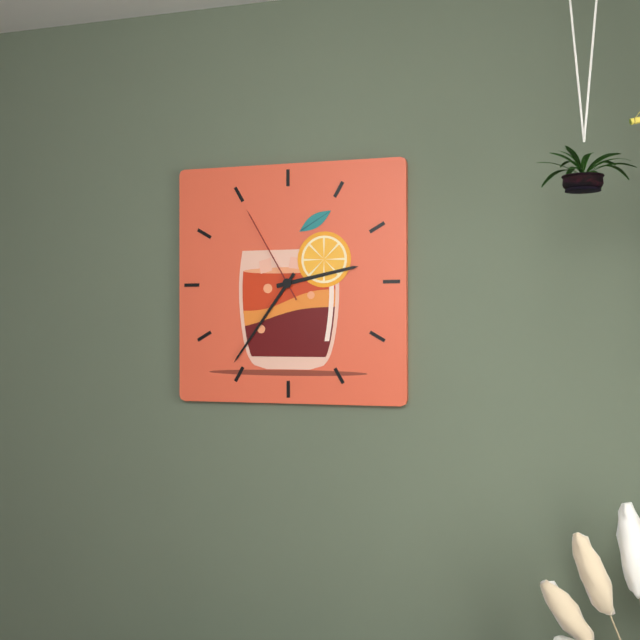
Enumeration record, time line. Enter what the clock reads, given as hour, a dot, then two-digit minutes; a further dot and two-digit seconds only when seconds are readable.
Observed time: 2.36.55
